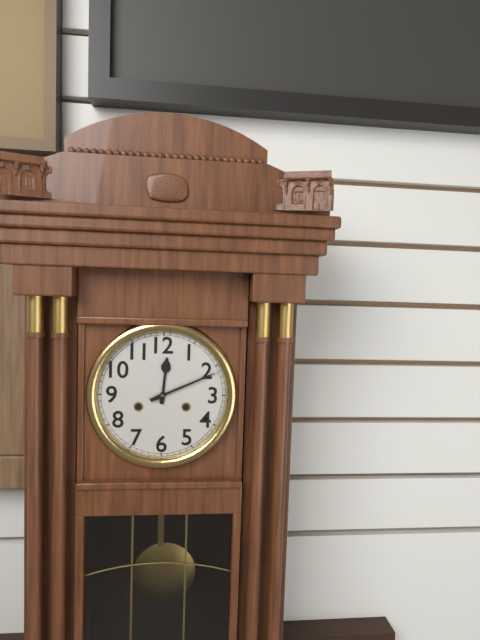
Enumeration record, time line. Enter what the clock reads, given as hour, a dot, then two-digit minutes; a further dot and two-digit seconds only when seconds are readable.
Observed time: 12.11
